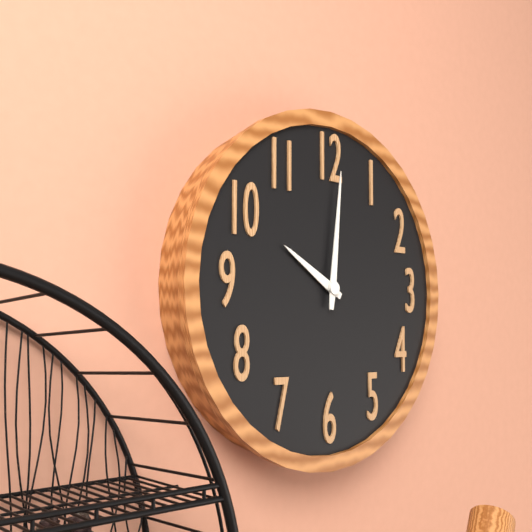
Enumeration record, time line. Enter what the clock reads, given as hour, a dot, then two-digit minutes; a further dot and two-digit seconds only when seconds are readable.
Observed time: 10.01
